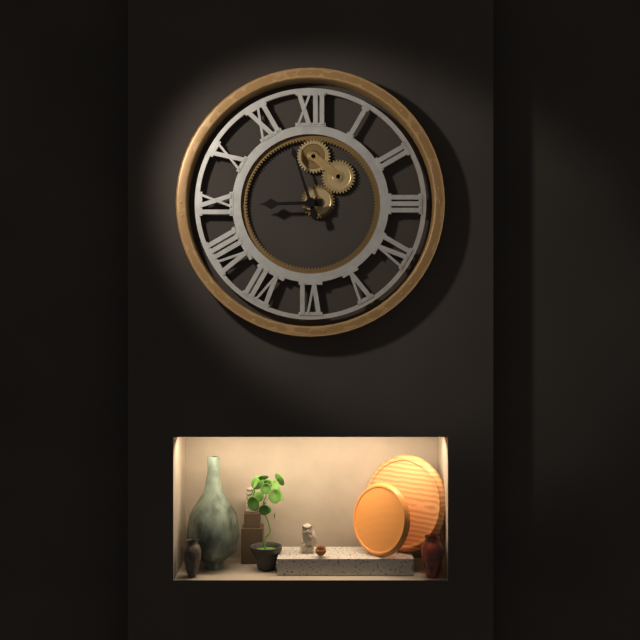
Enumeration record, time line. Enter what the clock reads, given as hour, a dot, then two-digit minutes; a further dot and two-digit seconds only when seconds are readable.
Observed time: 8.57
